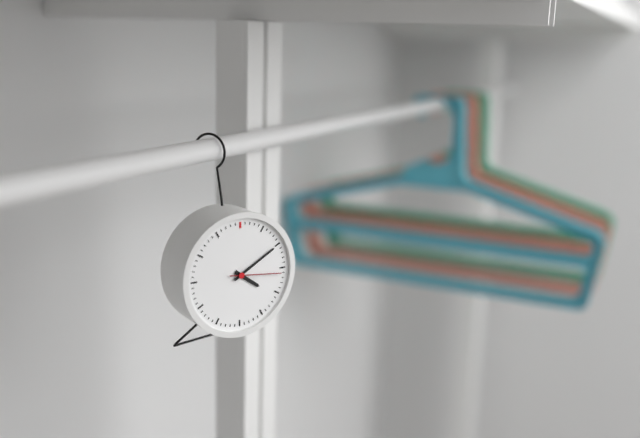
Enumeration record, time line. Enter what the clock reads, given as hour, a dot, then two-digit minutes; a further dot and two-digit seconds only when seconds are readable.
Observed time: 4.10.16
